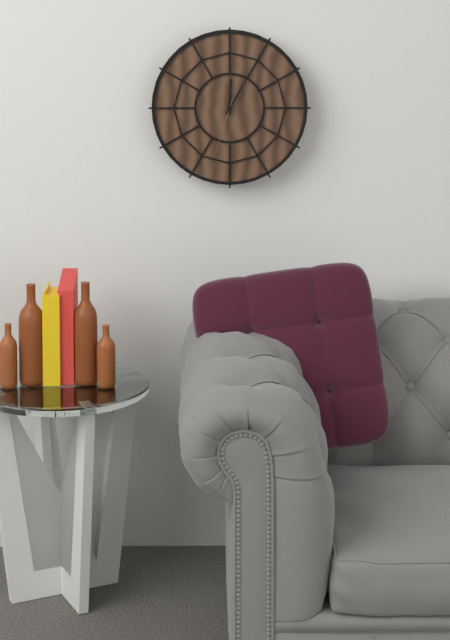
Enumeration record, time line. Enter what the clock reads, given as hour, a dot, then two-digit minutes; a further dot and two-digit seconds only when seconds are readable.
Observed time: 12.05.33
